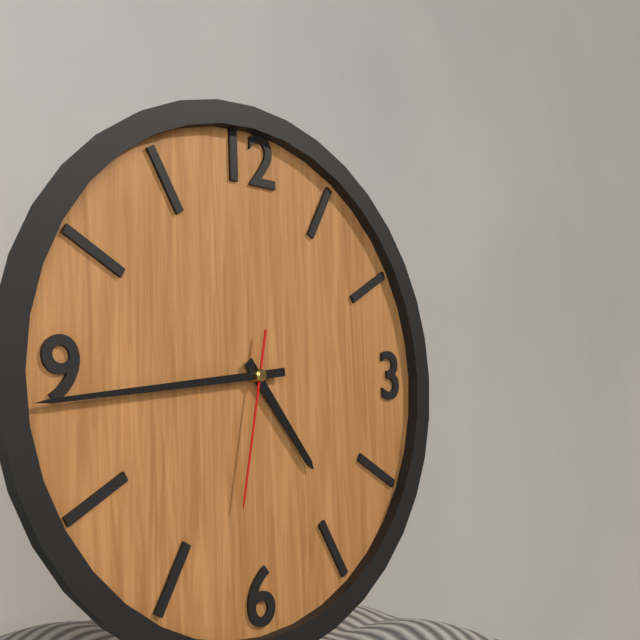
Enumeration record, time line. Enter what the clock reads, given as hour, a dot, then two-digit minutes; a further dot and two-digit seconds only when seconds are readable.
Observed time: 4.44.32
